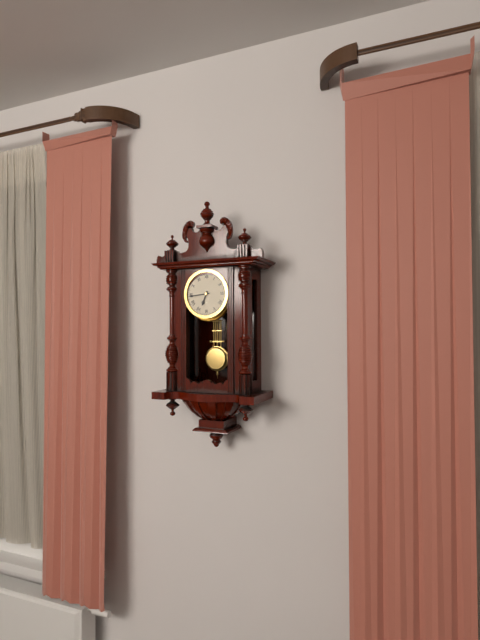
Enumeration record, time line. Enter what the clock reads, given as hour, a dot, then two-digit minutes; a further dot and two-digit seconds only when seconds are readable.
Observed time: 6.44
